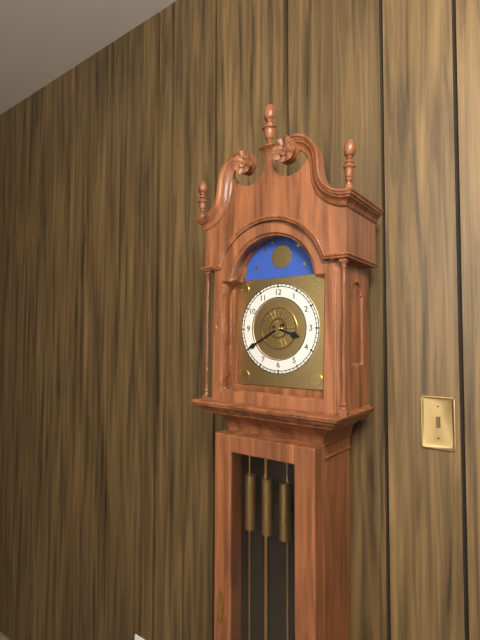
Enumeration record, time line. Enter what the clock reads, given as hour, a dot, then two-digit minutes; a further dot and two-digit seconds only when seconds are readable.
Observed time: 3.40
